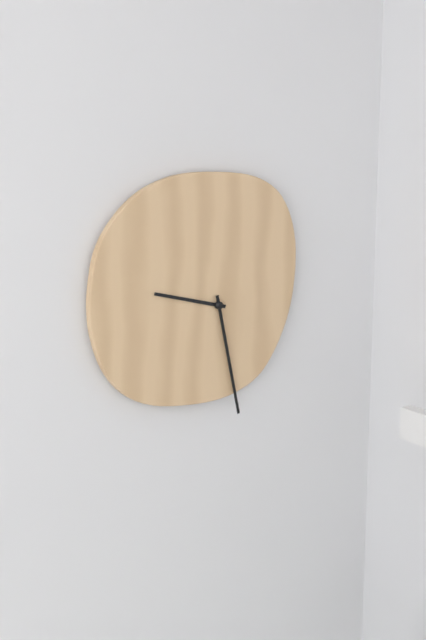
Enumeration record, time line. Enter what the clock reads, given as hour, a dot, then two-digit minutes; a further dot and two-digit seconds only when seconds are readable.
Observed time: 9.28
